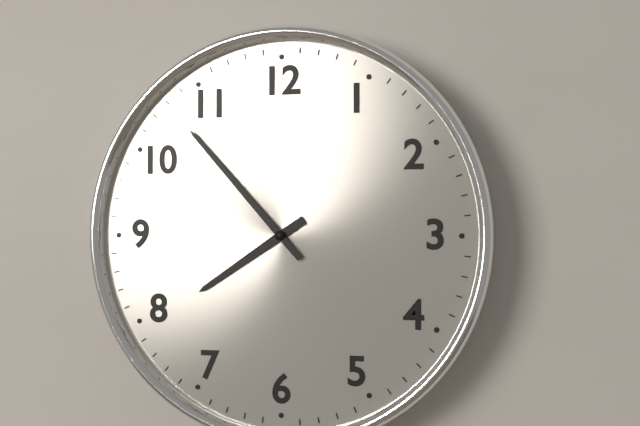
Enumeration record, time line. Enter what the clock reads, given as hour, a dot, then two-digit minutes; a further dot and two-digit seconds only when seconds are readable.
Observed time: 7.53
